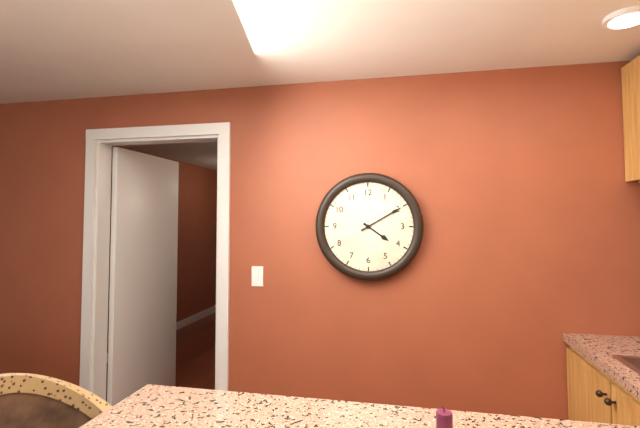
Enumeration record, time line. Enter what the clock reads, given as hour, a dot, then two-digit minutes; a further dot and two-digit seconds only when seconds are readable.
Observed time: 4.10
